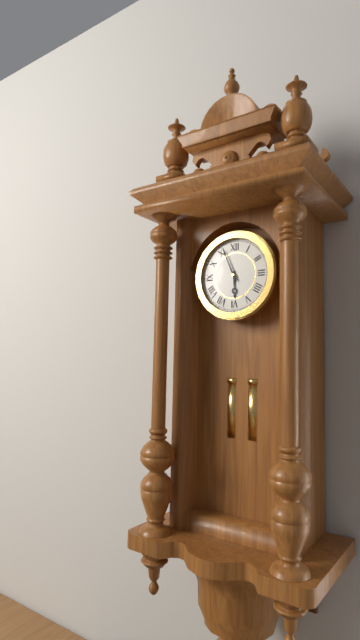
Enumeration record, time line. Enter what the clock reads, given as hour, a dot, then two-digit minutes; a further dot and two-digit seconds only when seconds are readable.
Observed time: 5.56
